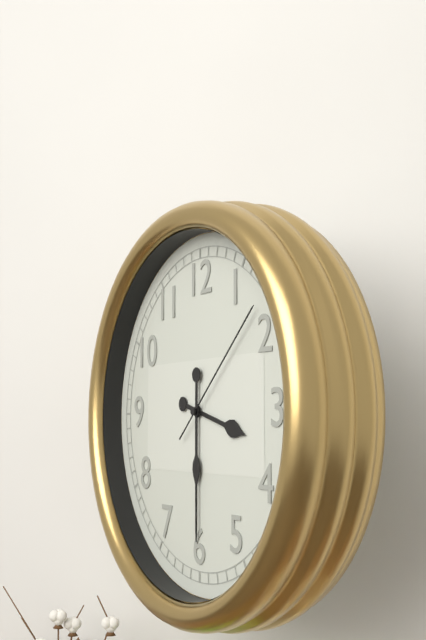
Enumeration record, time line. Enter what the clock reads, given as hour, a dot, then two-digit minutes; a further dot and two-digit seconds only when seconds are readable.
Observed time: 3.30.08
